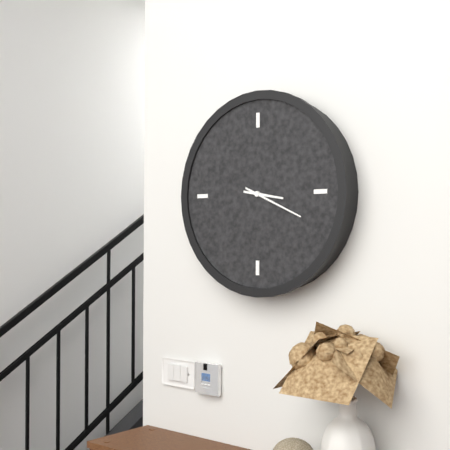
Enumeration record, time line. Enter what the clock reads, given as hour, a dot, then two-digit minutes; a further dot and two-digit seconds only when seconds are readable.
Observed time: 3.19
